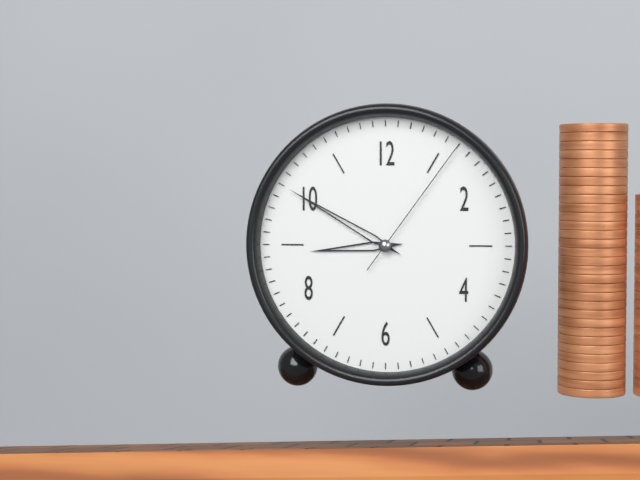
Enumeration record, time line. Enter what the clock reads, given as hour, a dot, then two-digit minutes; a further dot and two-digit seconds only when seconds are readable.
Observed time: 8.50.06
